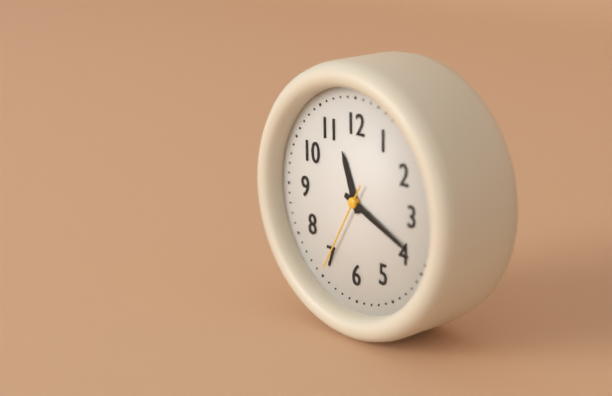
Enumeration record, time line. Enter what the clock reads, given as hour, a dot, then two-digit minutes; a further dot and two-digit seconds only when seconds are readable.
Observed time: 11.19.35
